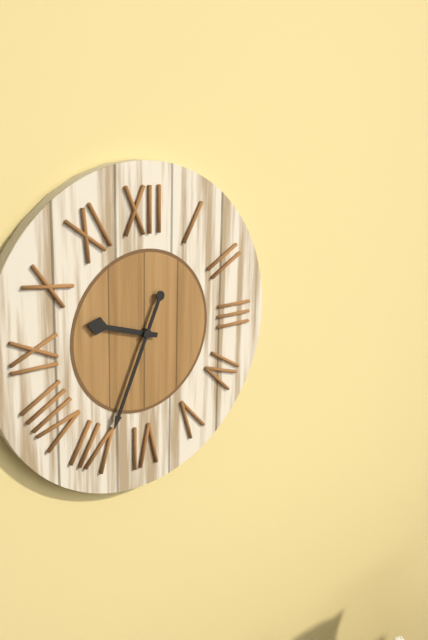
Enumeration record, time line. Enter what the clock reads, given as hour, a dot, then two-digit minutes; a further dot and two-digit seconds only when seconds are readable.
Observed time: 9.34
